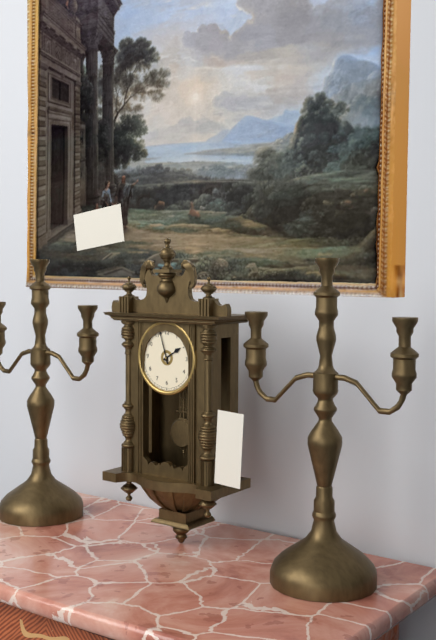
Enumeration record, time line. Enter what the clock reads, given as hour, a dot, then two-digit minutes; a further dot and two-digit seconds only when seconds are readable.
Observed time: 1.57
